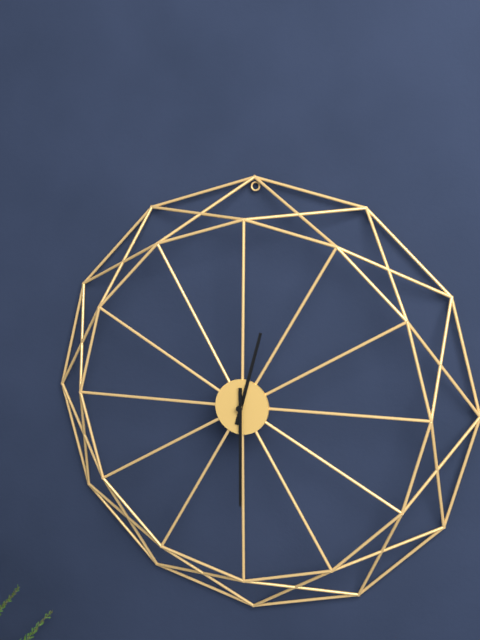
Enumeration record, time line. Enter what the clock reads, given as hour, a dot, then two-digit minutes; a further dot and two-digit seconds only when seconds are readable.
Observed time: 12.30
